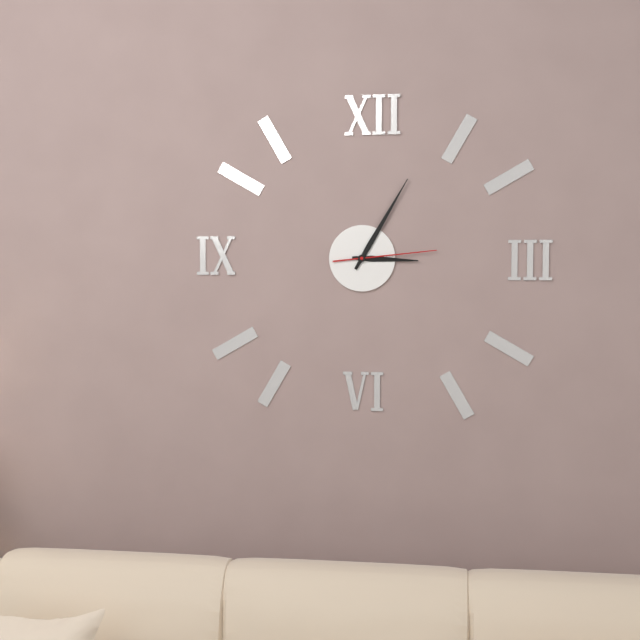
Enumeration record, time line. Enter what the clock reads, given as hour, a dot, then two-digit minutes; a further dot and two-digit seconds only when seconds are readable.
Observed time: 3.05.14
